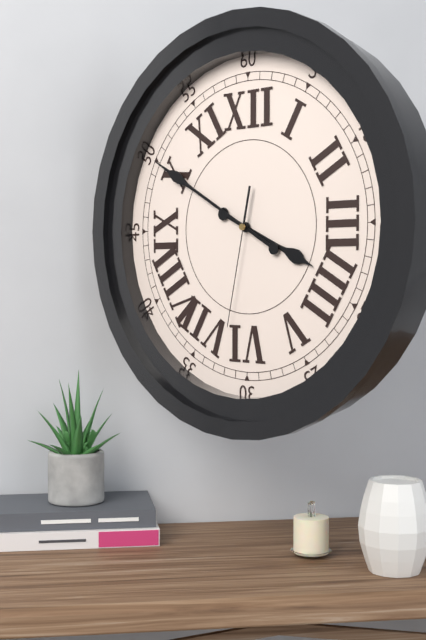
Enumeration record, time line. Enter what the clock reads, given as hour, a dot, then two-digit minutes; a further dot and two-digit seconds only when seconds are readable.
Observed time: 3.50.32
